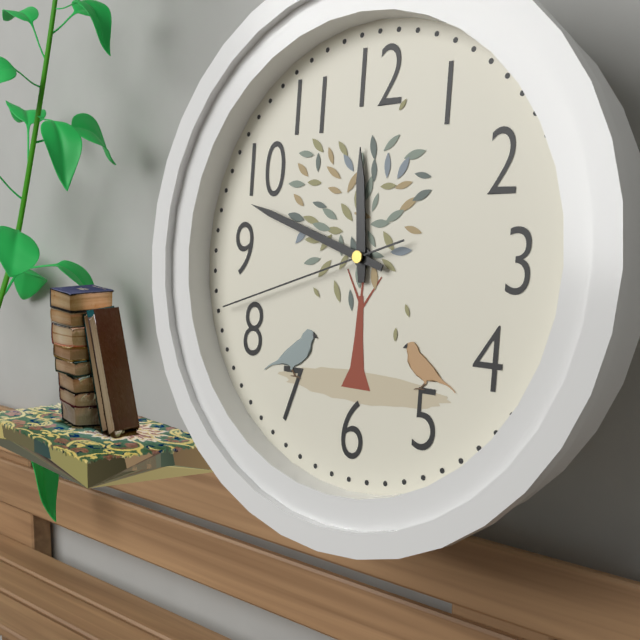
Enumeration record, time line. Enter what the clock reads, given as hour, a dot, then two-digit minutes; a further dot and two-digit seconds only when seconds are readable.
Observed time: 11.48.42
